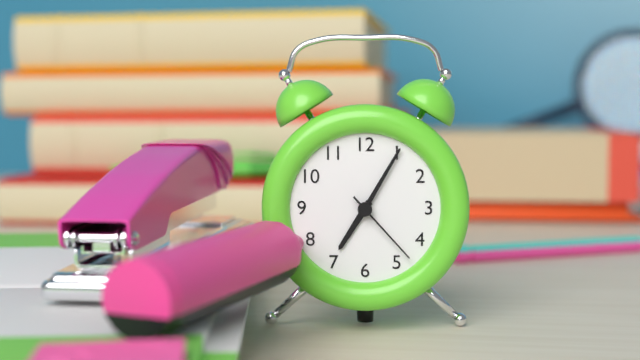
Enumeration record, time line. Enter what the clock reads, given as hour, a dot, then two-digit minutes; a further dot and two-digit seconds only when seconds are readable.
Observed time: 7.05.23
